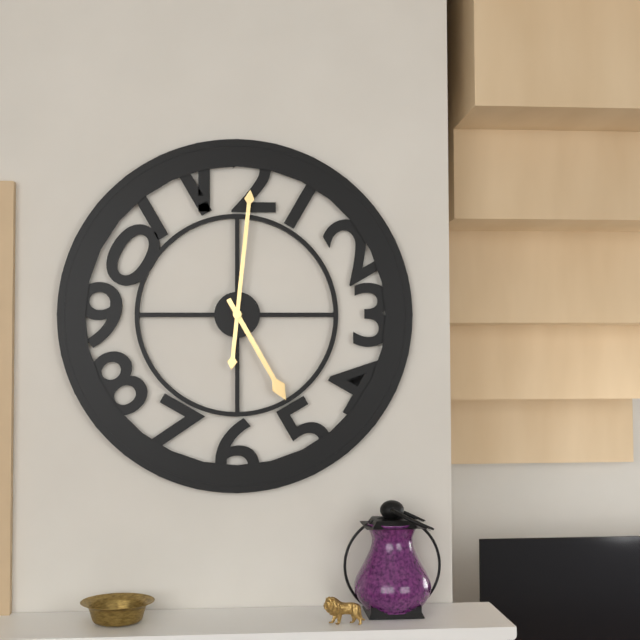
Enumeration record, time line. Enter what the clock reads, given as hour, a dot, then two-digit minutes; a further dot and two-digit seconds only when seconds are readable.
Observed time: 5.01
